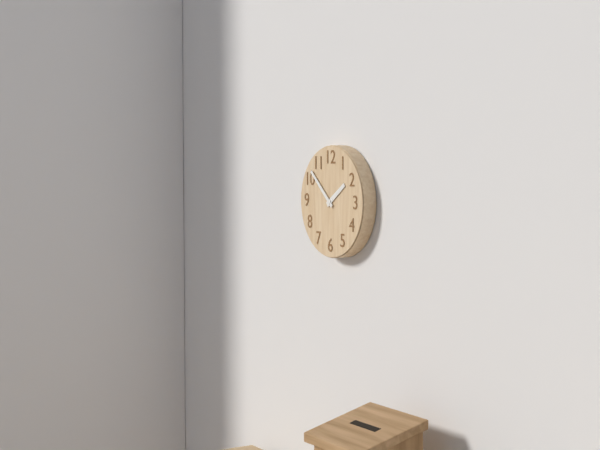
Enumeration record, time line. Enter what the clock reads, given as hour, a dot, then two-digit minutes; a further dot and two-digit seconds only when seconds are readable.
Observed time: 1.52
